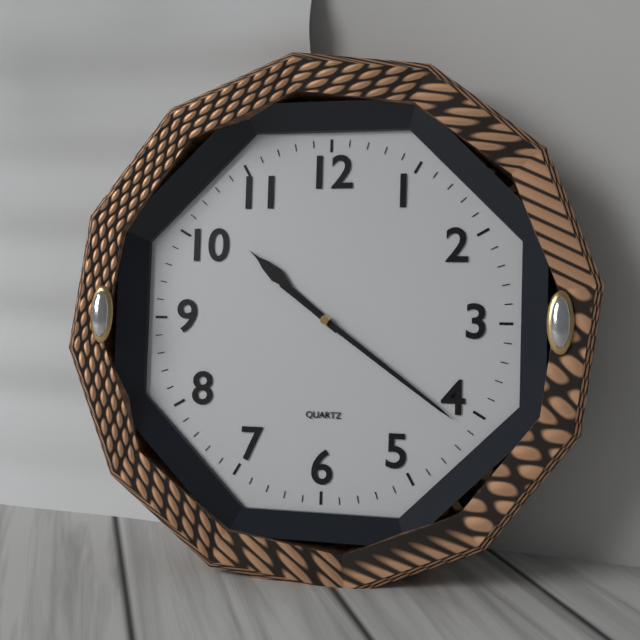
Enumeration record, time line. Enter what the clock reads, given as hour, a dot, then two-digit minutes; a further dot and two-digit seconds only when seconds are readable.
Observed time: 10.21
